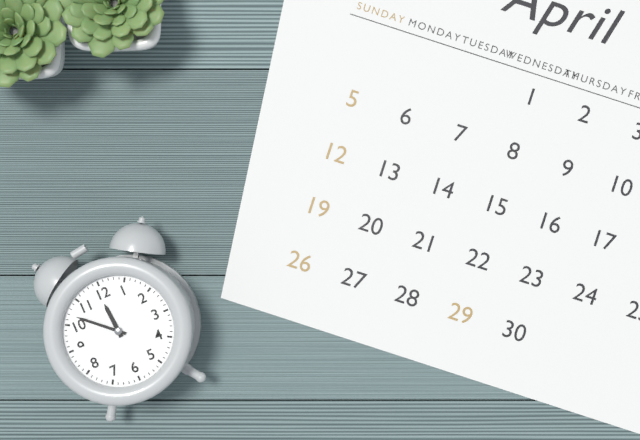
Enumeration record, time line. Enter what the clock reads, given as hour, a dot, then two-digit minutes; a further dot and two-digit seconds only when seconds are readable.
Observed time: 11.52
